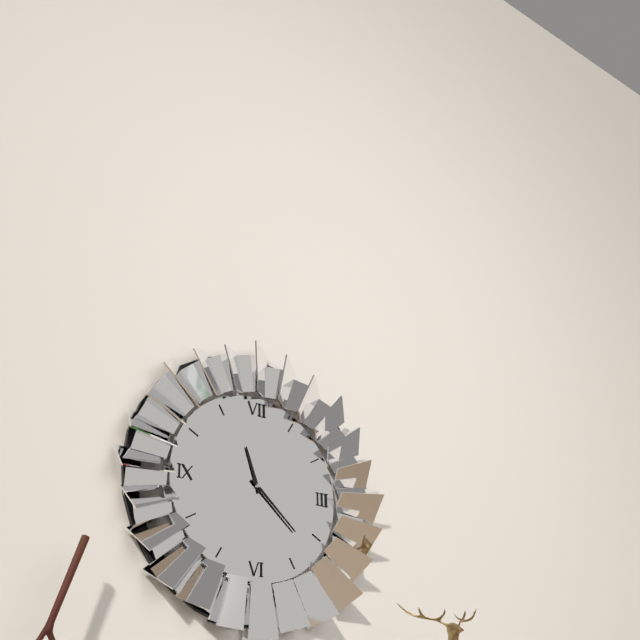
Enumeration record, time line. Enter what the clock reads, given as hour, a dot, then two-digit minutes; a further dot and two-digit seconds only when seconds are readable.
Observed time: 11.22
